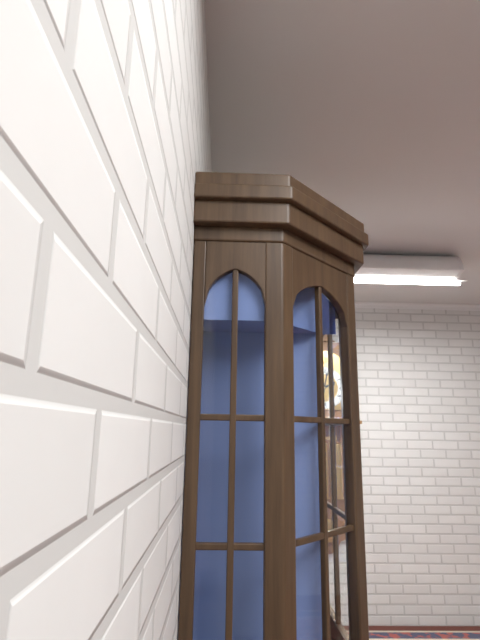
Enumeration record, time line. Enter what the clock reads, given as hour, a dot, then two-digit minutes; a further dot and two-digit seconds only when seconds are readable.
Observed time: 2.02
